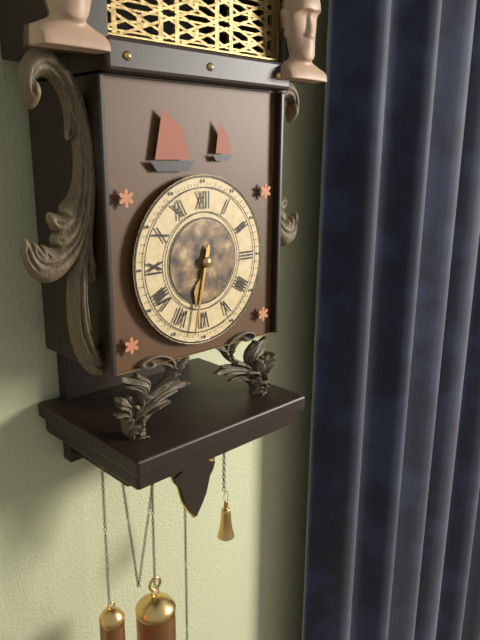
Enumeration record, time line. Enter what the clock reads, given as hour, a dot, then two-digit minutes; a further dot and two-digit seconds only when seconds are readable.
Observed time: 6.32
